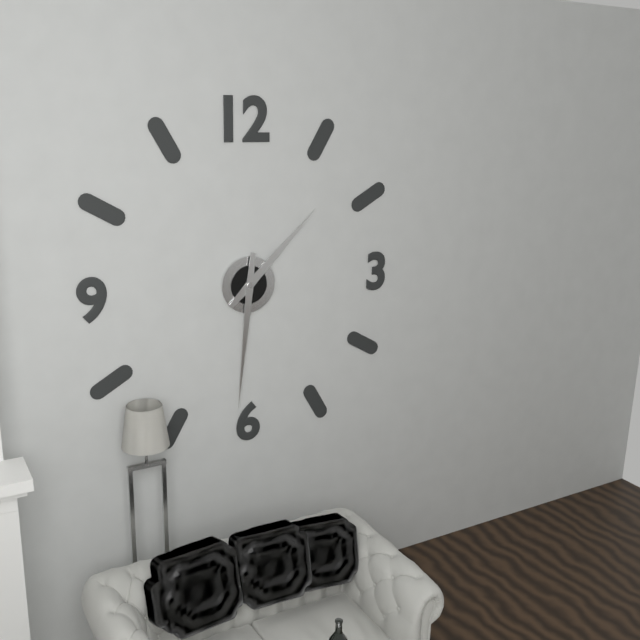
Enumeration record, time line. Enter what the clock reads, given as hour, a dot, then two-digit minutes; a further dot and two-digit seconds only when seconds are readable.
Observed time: 1.31
